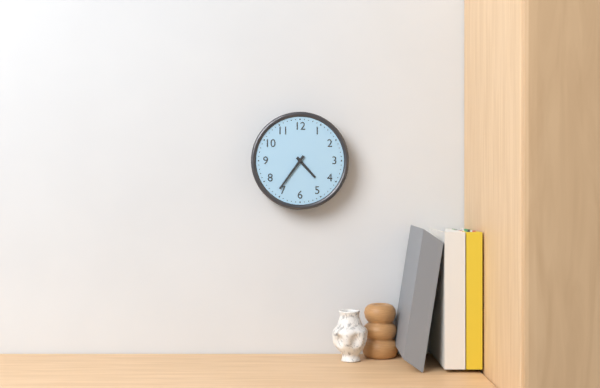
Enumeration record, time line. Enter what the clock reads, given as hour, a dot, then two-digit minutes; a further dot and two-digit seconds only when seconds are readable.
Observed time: 4.36
